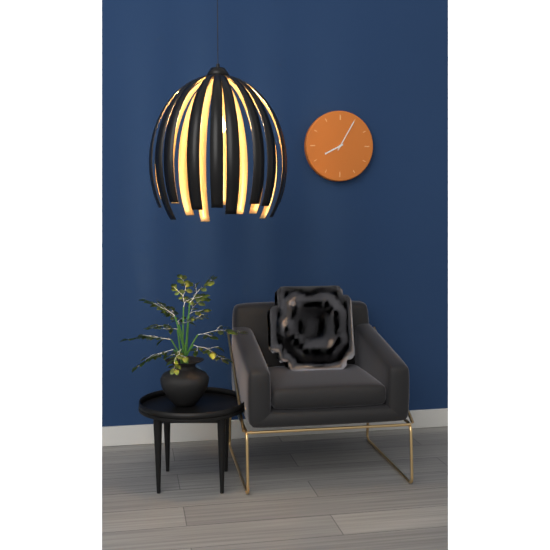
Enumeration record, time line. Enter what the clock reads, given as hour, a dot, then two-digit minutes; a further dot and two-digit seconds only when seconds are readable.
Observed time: 8.05
